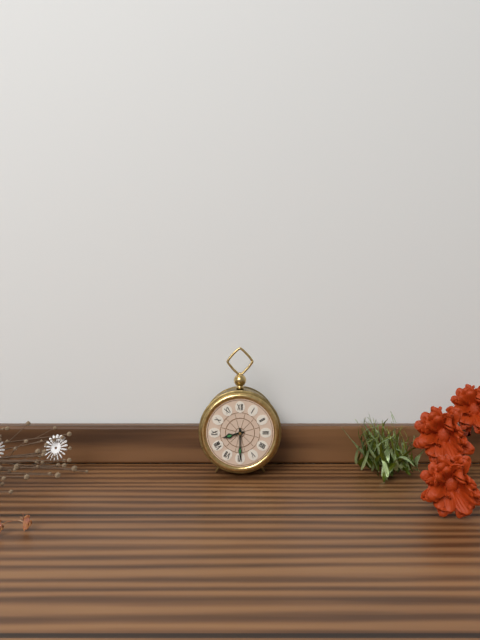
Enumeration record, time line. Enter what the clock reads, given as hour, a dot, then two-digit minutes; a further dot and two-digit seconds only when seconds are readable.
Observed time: 8.30
